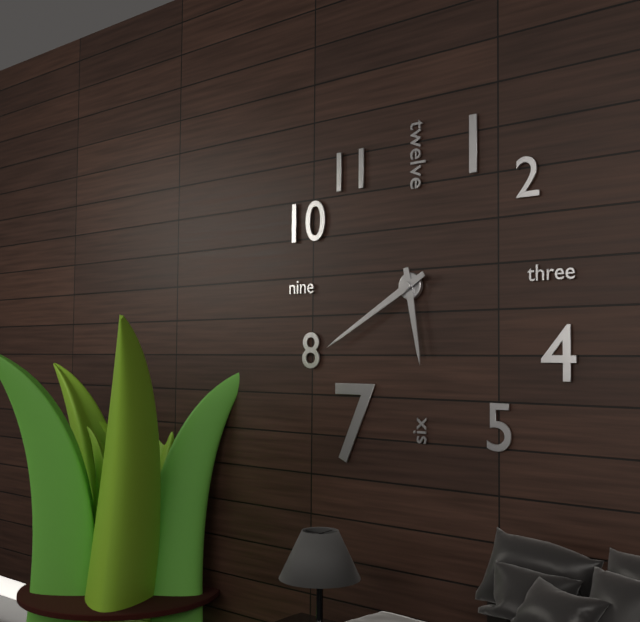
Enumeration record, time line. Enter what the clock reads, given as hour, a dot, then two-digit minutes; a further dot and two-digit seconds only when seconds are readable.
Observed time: 5.40
